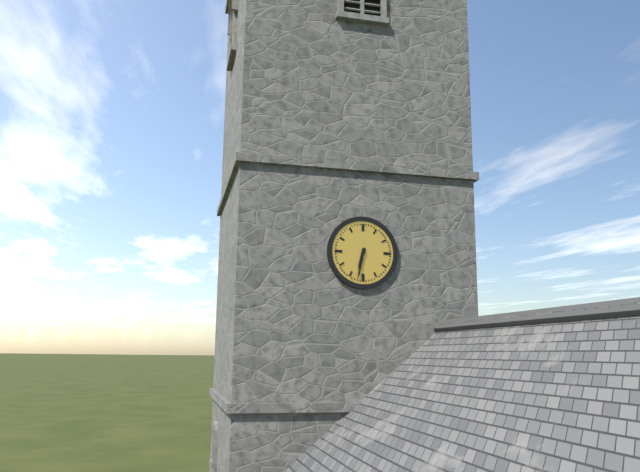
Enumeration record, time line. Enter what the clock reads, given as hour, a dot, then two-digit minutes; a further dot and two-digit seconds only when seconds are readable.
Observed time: 6.32
